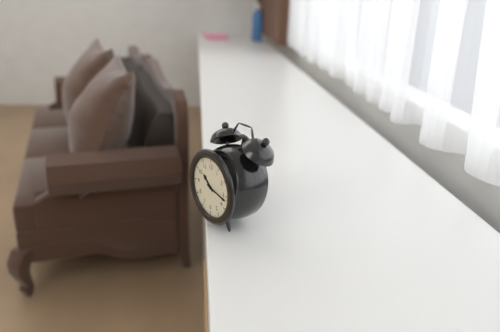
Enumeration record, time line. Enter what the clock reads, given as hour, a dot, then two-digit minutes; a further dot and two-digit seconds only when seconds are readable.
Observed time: 10.17
